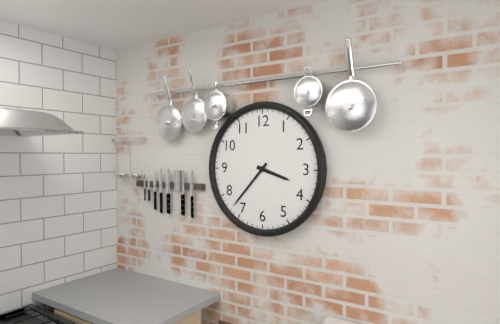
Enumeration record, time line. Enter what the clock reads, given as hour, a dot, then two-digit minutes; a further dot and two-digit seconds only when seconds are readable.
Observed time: 3.37
